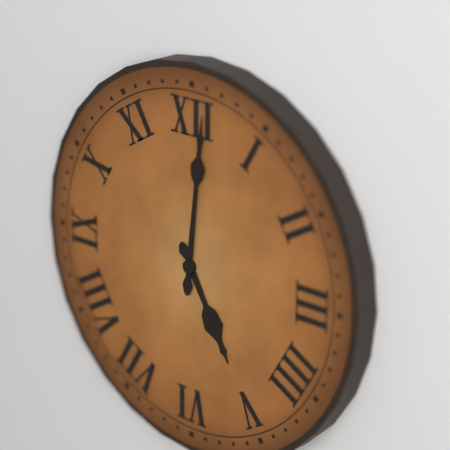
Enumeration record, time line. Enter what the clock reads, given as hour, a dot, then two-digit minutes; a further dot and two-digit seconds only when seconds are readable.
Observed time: 5.01
